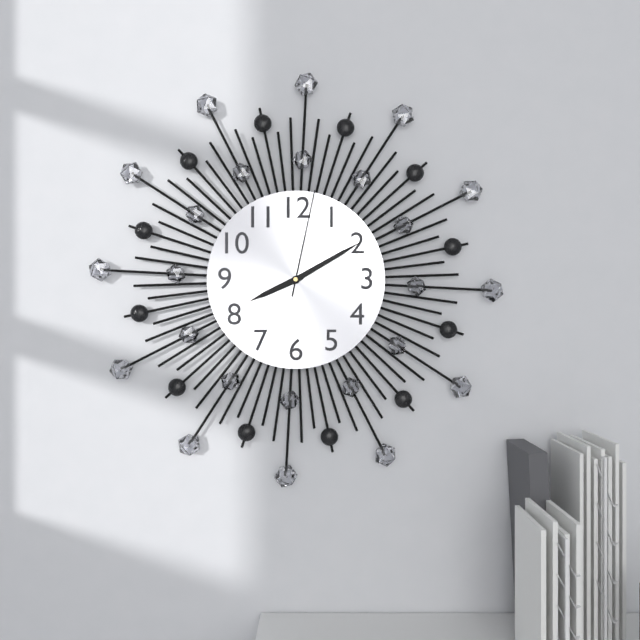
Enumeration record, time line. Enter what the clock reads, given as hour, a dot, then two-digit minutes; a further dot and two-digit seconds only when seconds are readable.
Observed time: 8.10.02
